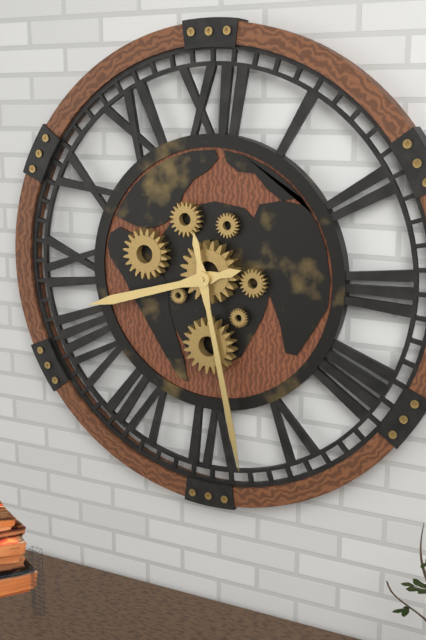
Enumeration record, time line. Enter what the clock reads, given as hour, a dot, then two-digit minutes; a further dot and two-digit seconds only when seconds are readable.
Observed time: 8.28
